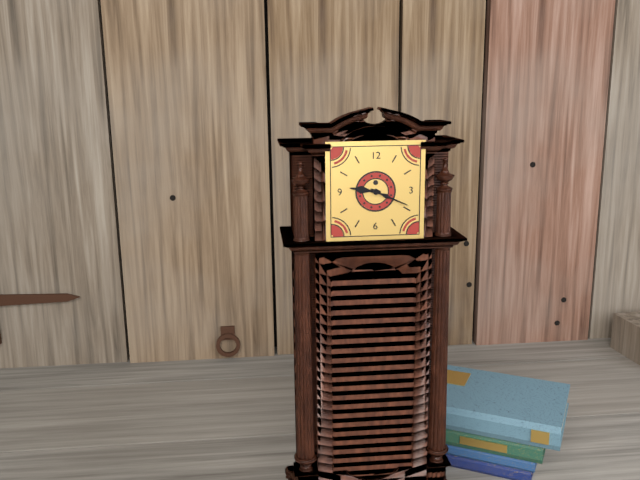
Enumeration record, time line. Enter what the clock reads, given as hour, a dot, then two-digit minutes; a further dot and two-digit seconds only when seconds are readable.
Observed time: 9.19
